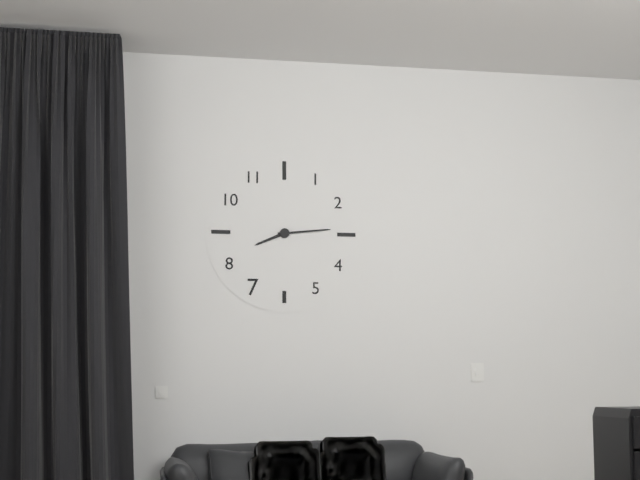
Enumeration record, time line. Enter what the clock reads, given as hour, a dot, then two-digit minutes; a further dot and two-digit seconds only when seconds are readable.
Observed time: 8.14
